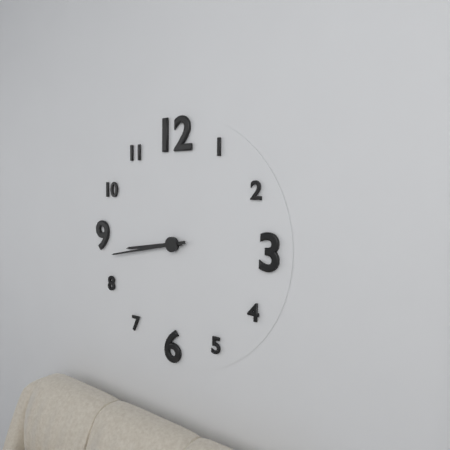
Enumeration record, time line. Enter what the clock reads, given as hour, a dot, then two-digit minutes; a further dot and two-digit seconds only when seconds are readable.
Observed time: 8.43
